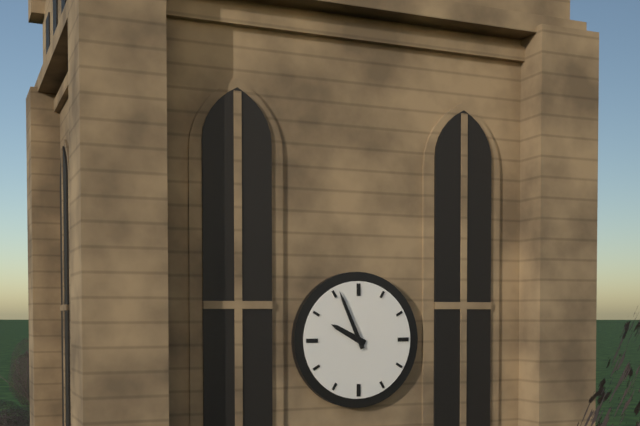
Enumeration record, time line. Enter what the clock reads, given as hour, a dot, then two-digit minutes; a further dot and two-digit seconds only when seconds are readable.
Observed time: 9.56
